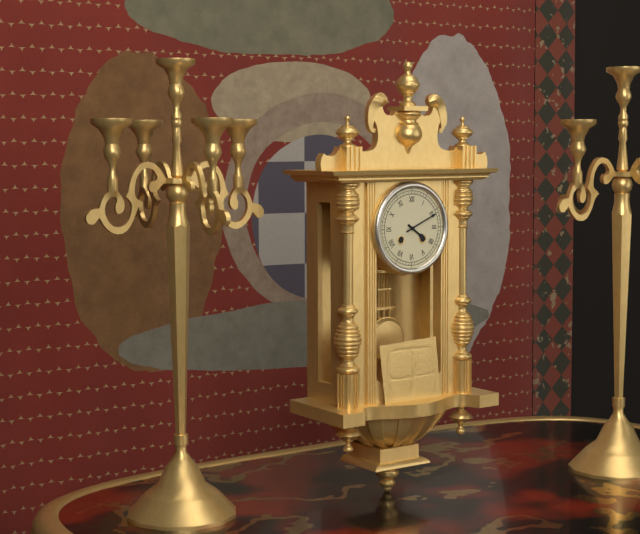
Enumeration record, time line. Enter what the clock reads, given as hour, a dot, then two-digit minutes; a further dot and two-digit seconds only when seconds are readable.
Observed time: 4.11
